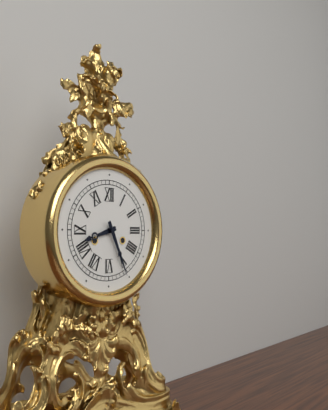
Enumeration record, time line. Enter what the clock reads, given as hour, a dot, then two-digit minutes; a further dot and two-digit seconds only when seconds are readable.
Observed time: 8.26
